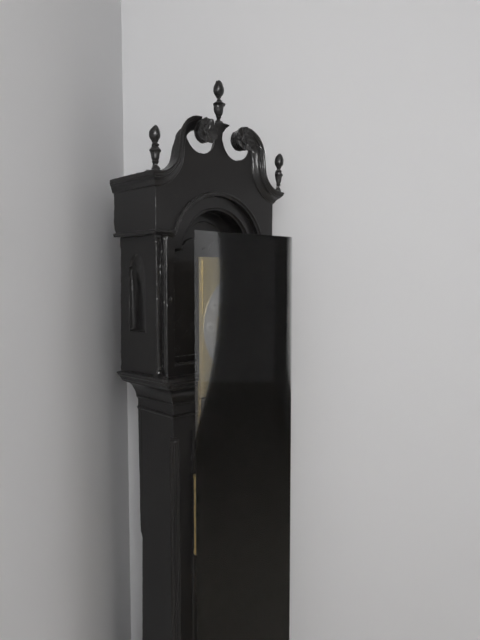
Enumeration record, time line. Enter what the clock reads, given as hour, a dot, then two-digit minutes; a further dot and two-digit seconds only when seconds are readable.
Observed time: 2.15
